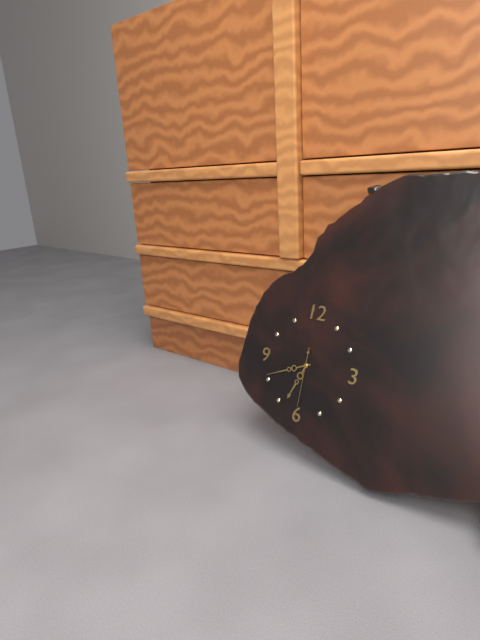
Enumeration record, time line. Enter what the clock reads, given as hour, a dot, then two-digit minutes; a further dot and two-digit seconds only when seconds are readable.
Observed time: 6.41.30
